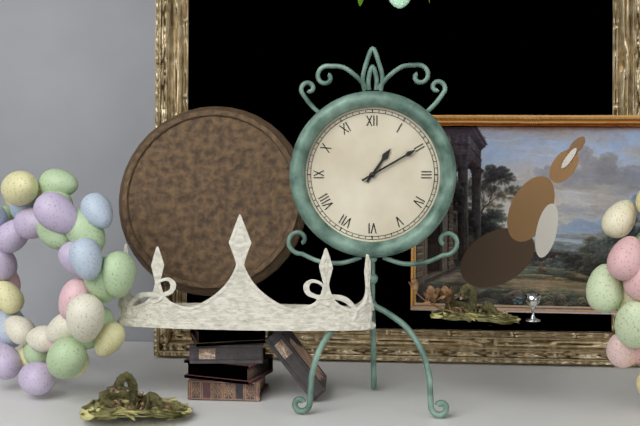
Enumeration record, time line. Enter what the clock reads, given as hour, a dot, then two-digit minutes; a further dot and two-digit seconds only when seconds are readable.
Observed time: 1.10
